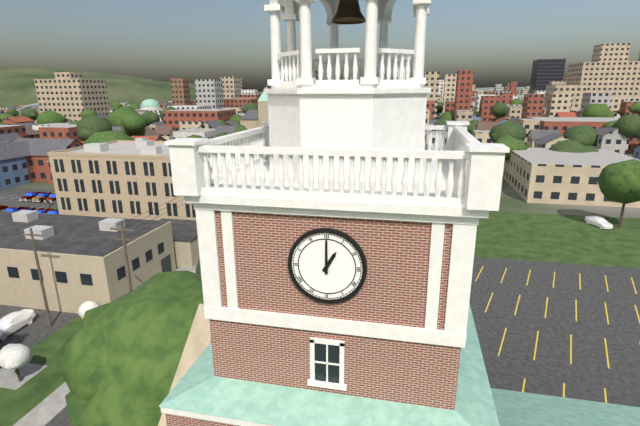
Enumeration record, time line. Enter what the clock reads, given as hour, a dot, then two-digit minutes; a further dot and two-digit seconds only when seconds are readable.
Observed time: 1.00
